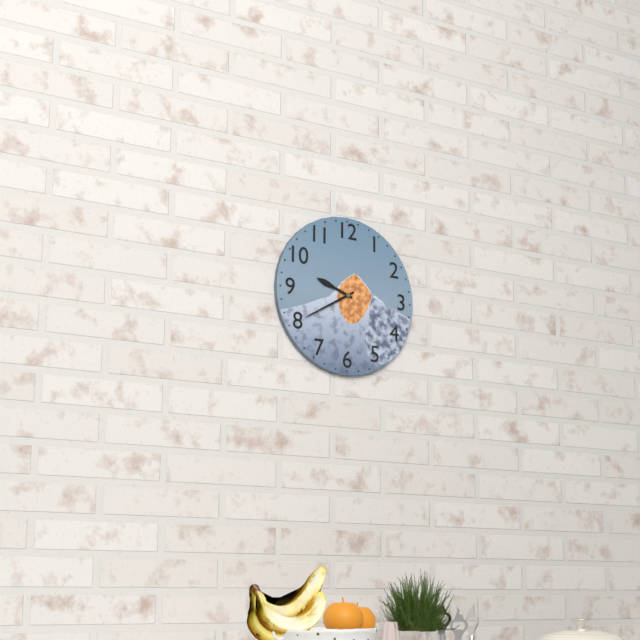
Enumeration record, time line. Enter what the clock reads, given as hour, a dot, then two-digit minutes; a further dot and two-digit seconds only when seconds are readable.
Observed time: 9.40
